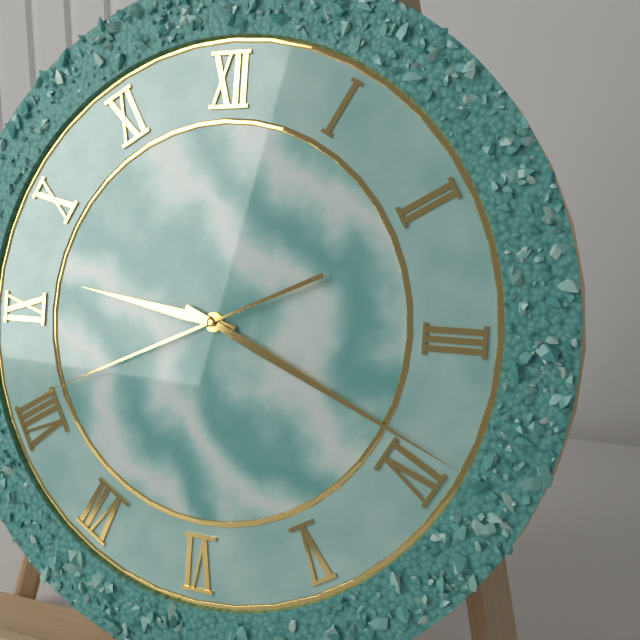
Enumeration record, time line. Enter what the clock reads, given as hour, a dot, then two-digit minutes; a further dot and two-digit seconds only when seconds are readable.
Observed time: 9.19.41
